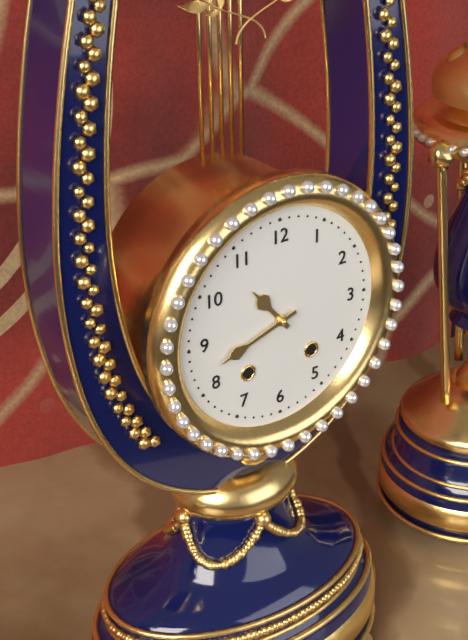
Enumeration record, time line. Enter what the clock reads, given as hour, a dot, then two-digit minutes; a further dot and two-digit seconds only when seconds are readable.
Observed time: 10.42
